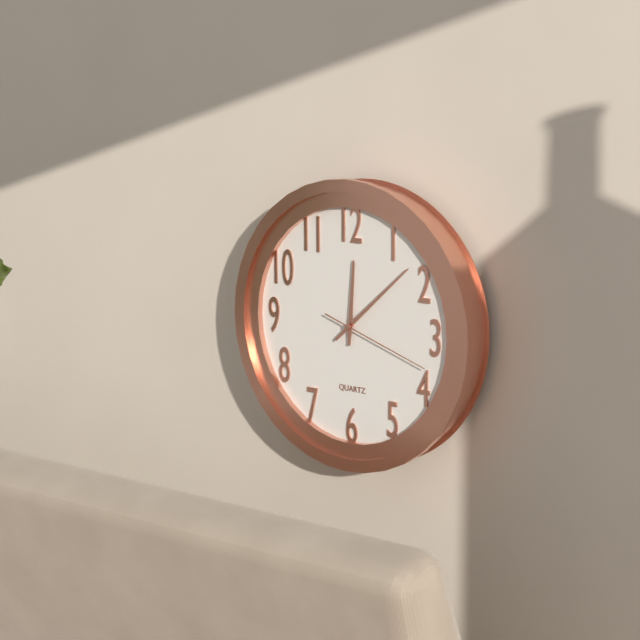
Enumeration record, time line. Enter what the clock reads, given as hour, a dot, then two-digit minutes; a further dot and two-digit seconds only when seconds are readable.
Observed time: 12.08.18
